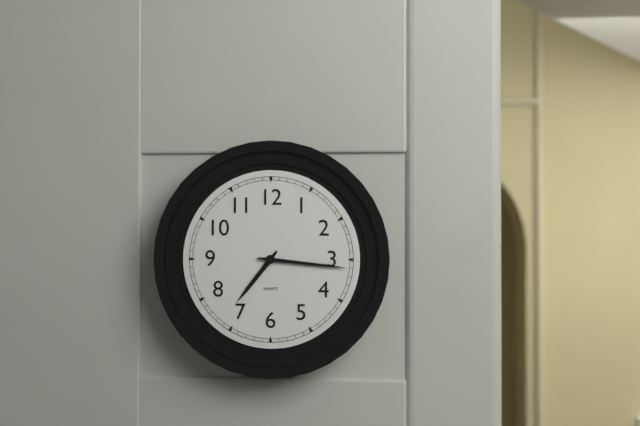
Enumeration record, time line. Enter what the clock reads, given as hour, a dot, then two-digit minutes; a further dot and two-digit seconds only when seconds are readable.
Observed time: 7.16
